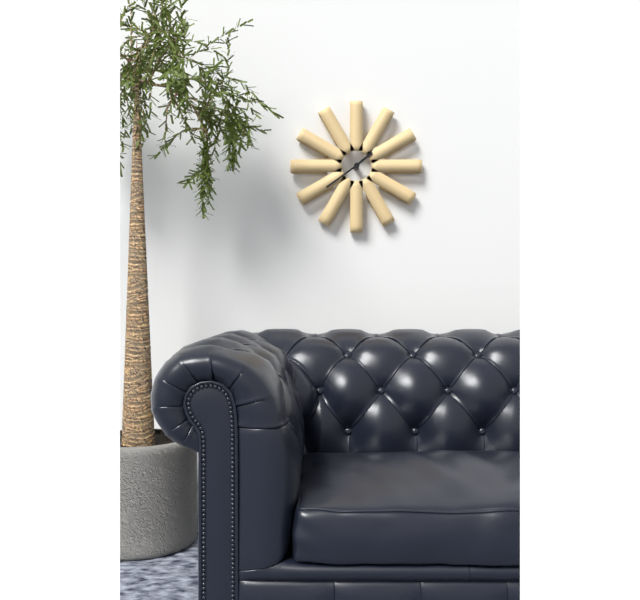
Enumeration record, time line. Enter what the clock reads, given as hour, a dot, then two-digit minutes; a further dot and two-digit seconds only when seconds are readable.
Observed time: 1.39
